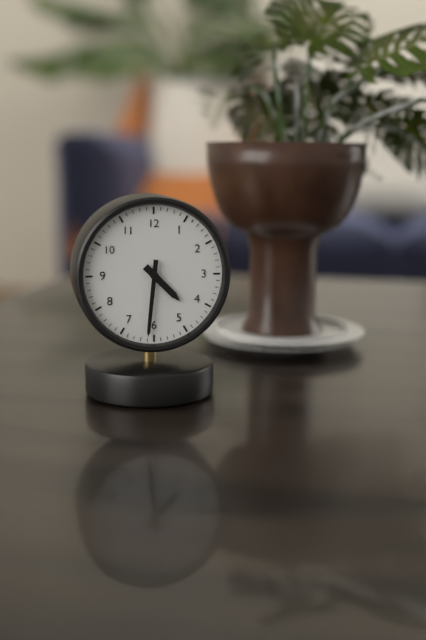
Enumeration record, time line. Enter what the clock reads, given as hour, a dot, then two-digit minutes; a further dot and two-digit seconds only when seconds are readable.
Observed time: 4.31
